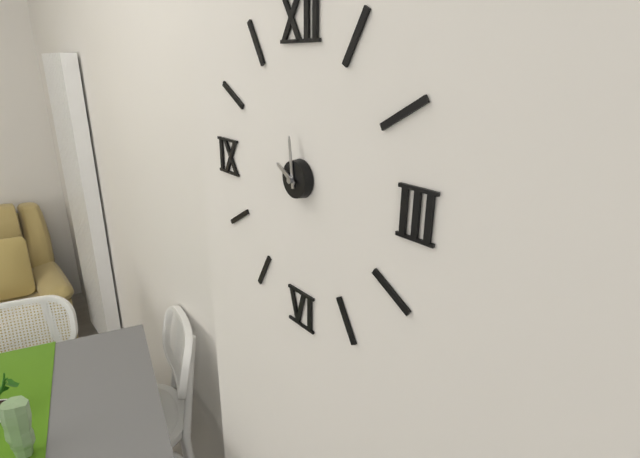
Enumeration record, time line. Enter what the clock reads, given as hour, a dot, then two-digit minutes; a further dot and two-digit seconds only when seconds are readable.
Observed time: 9.59
